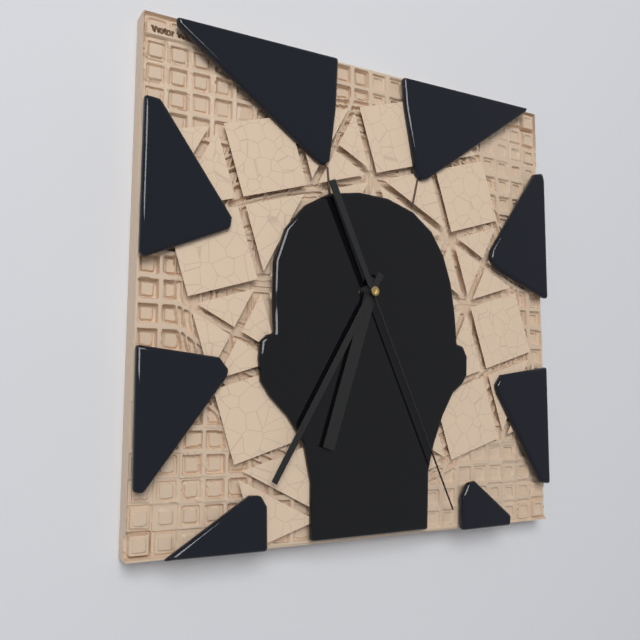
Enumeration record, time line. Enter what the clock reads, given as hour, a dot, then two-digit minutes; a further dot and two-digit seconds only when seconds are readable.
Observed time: 6.35.26
